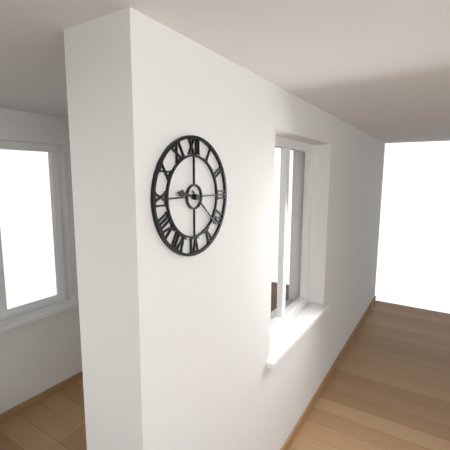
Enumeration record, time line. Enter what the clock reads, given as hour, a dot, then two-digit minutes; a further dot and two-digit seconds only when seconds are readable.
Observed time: 9.22
